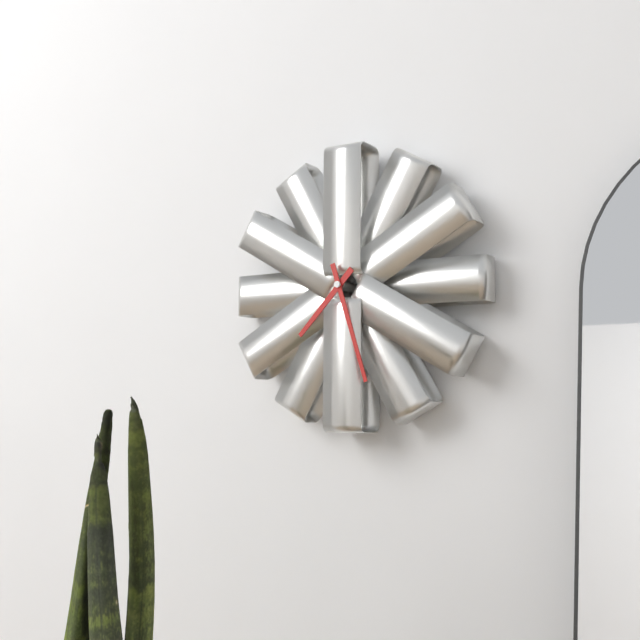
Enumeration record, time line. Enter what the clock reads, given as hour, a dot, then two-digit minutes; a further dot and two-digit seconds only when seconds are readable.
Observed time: 7.27
